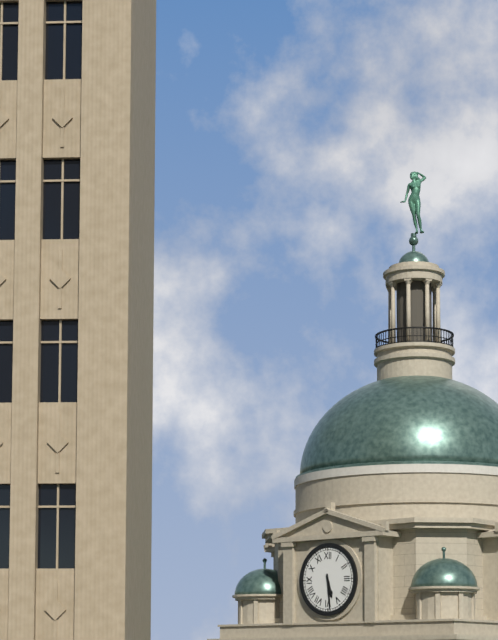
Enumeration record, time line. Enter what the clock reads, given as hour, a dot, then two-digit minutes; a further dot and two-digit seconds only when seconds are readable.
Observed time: 5.29
